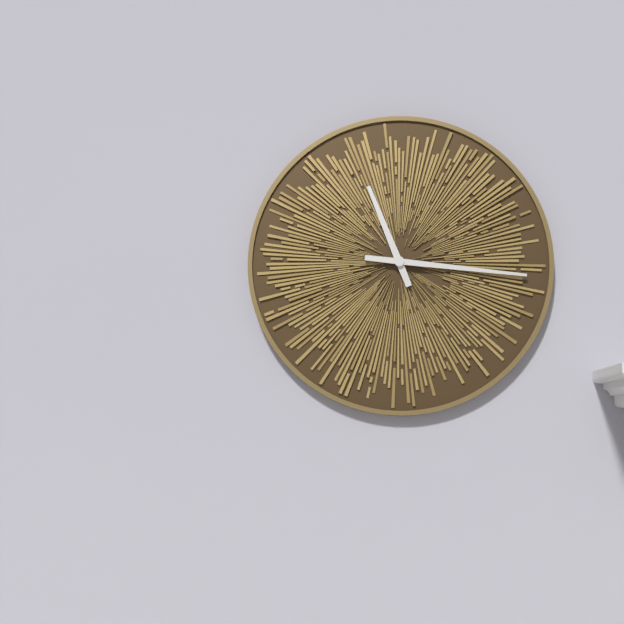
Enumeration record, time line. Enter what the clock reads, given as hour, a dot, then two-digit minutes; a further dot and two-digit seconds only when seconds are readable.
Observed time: 11.16
